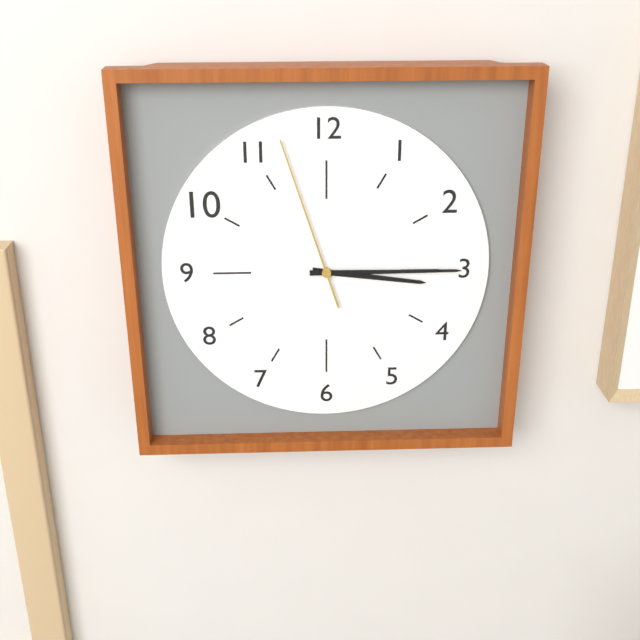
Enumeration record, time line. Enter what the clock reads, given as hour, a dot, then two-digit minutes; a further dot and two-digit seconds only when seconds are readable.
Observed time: 3.15.57
